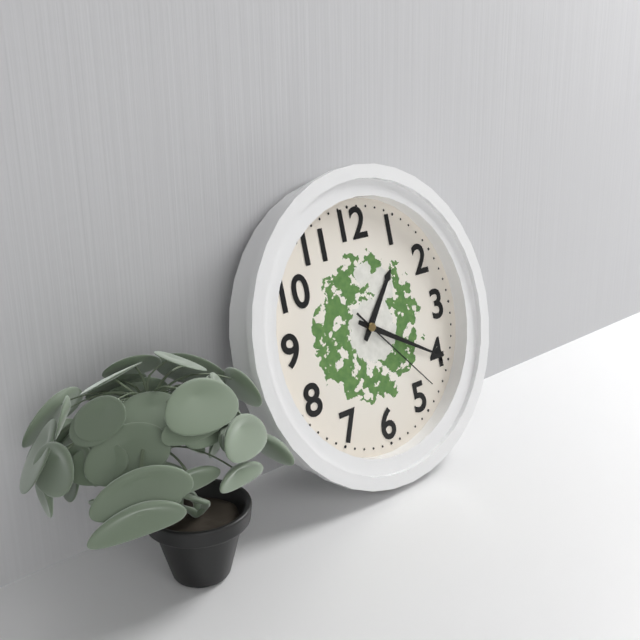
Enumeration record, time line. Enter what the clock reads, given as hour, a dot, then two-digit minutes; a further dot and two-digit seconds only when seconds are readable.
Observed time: 1.20.23
